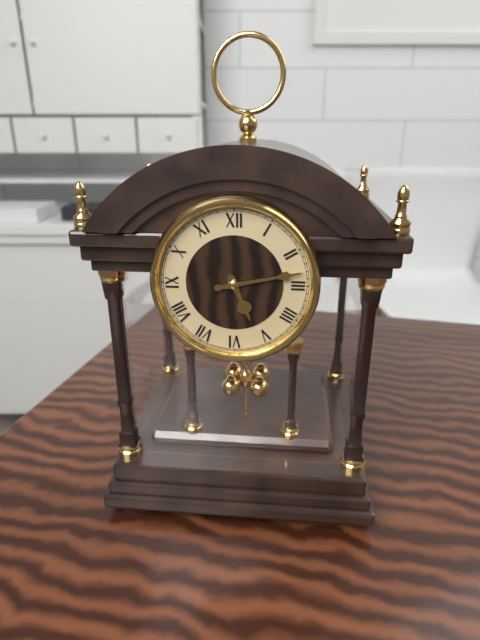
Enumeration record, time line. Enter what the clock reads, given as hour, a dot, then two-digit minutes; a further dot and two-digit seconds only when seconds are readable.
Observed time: 5.13
